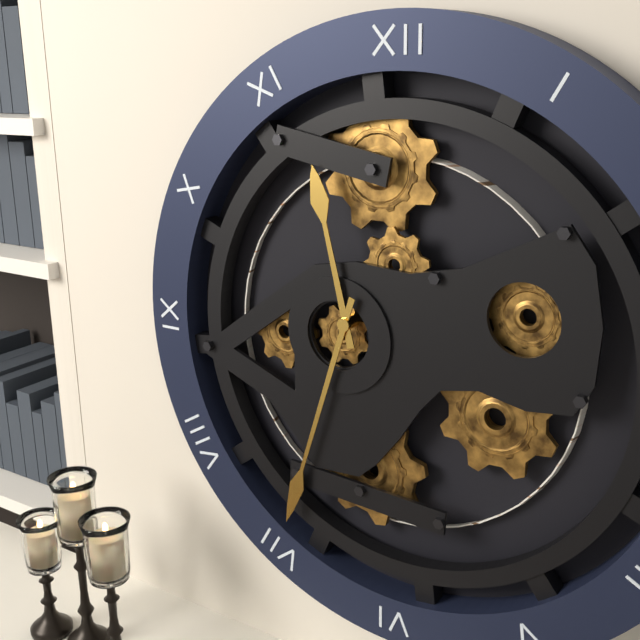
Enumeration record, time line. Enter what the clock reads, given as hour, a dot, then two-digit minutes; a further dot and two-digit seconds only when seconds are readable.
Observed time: 11.33
